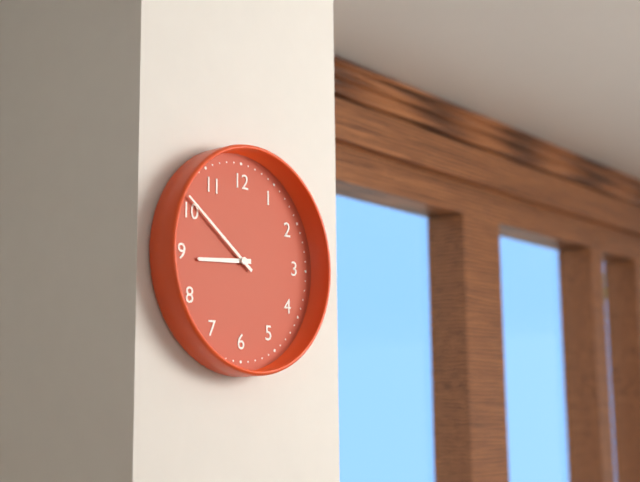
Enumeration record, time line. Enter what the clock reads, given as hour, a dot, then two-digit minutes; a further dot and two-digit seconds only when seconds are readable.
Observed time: 8.51
